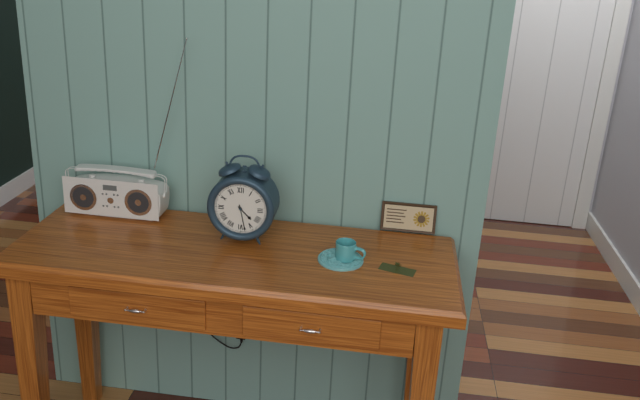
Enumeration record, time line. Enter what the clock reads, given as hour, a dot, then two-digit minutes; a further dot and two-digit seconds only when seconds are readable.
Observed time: 4.28
